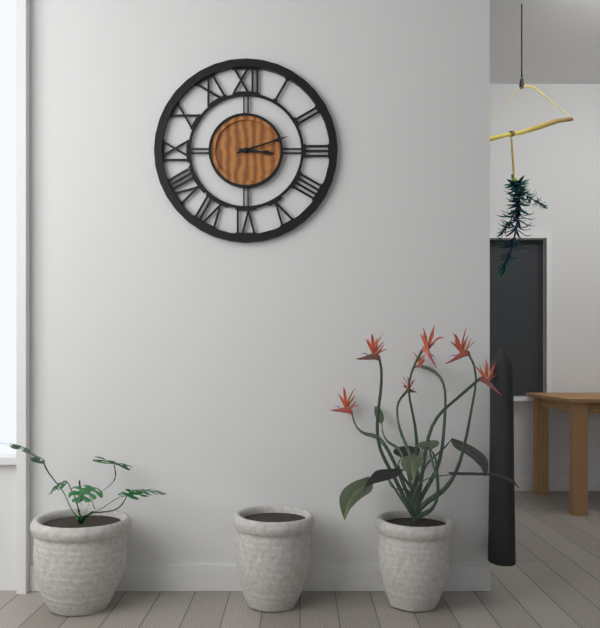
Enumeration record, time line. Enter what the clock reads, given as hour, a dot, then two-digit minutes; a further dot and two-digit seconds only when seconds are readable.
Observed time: 3.12
